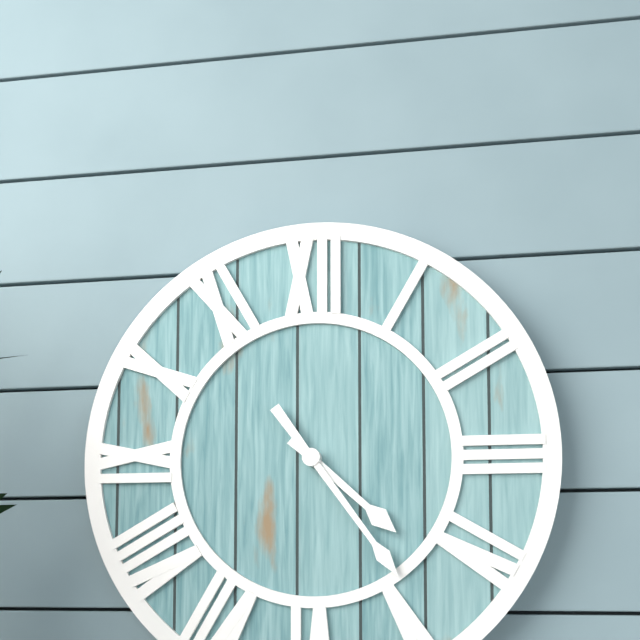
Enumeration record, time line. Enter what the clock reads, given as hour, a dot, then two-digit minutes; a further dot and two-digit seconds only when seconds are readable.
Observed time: 4.24
